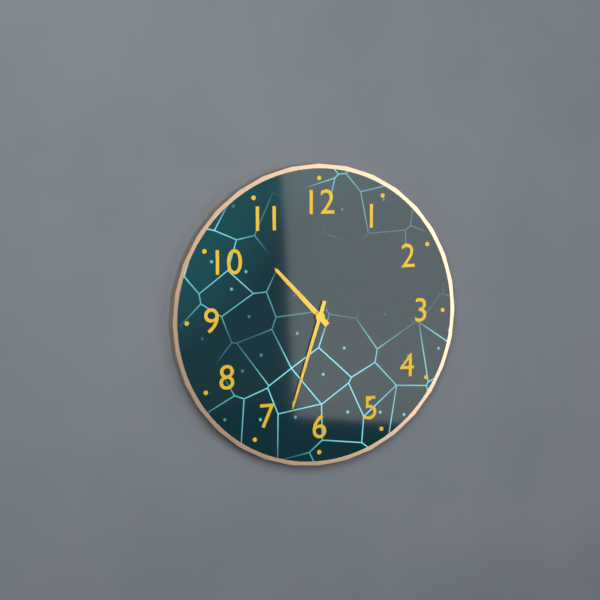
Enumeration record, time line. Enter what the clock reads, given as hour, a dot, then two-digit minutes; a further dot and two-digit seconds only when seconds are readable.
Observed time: 10.33
